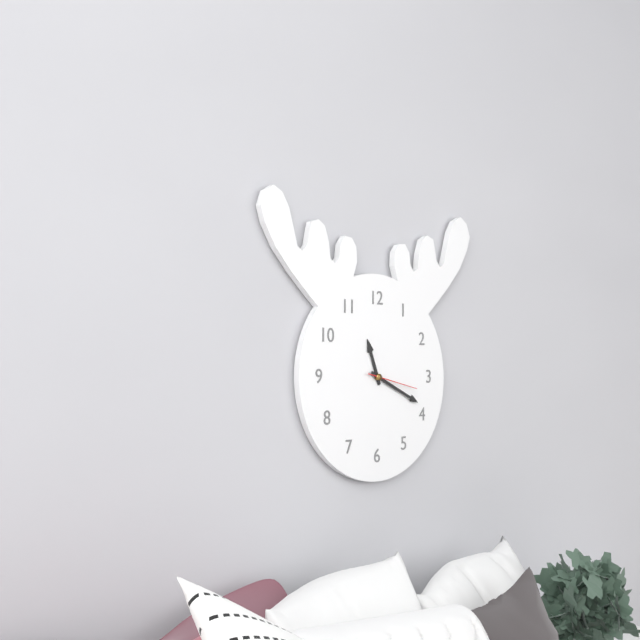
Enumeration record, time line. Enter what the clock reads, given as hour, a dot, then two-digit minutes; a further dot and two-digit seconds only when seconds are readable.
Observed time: 11.19
